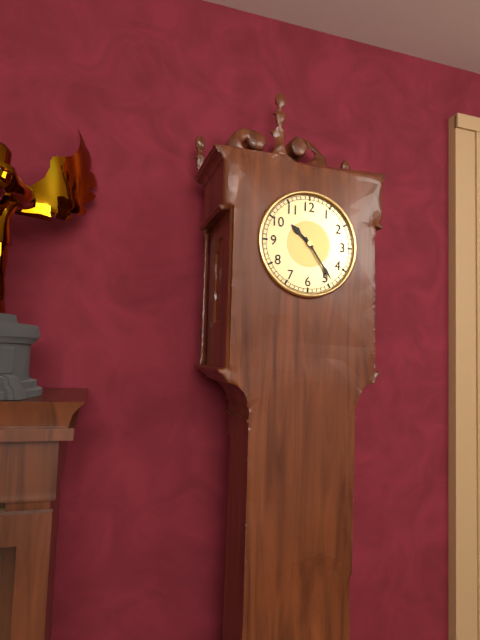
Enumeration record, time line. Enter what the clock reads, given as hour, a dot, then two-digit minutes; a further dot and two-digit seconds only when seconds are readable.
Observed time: 10.24
